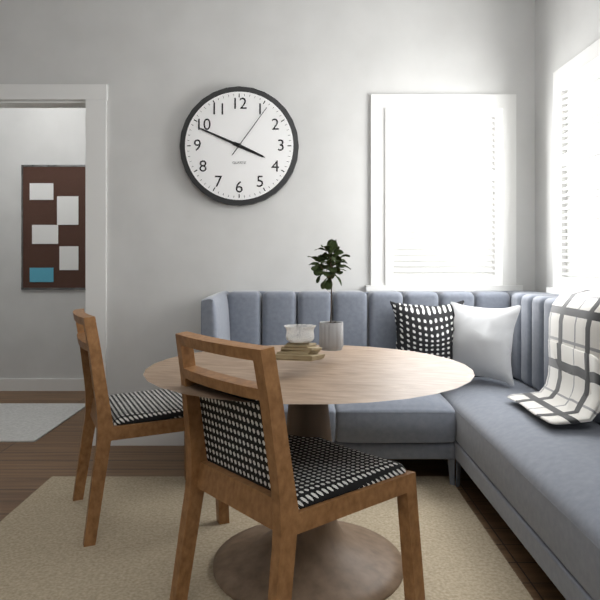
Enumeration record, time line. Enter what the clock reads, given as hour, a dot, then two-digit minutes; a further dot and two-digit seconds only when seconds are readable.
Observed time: 3.49.06
